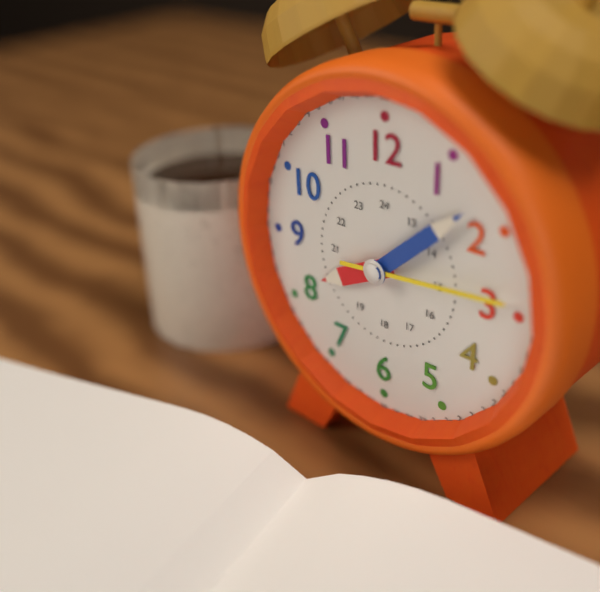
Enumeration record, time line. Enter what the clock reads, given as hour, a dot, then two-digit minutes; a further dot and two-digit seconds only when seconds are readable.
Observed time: 8.08.14
